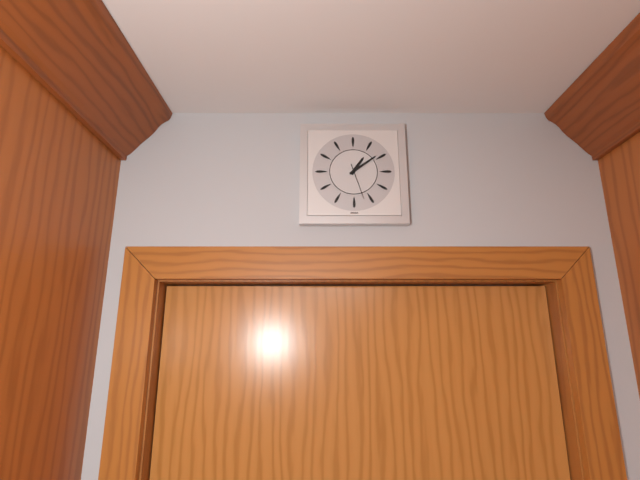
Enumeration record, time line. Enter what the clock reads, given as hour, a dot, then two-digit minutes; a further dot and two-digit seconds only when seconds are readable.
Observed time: 1.09
